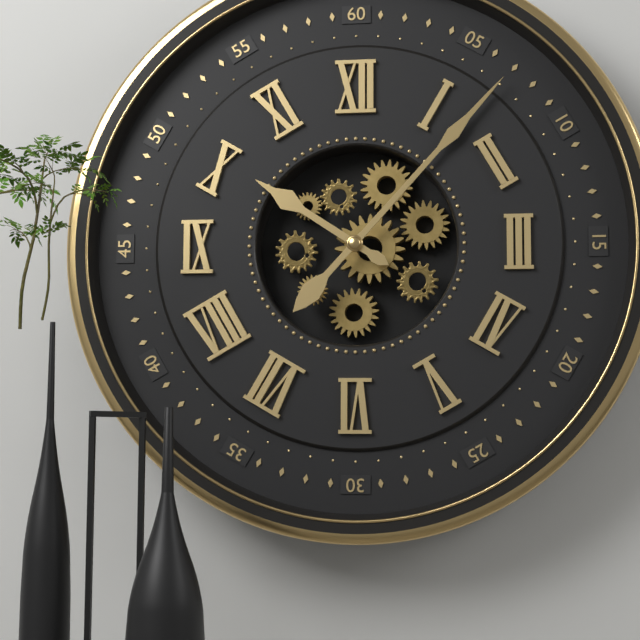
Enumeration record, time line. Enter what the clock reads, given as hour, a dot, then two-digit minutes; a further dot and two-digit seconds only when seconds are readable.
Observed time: 10.07
